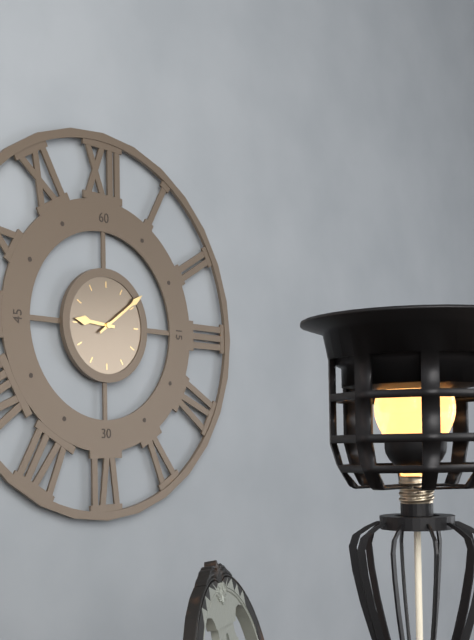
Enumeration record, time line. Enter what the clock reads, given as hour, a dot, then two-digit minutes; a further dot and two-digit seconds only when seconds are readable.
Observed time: 9.09
